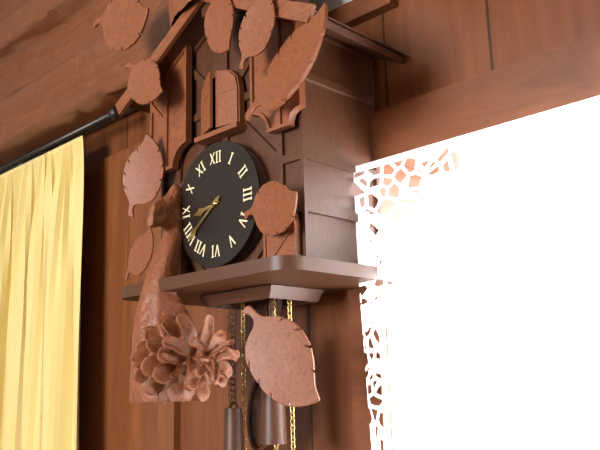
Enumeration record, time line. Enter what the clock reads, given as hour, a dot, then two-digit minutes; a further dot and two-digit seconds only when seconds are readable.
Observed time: 8.39
